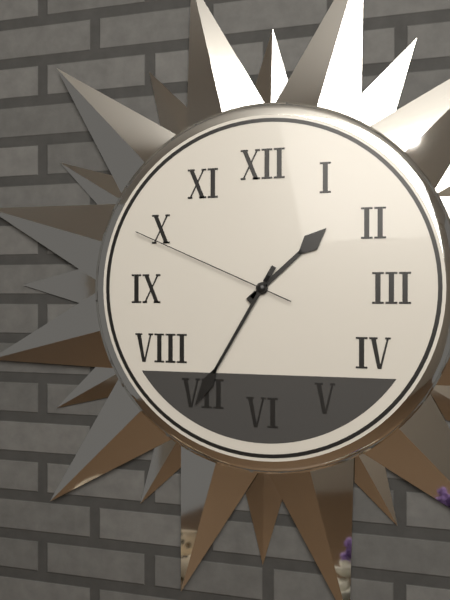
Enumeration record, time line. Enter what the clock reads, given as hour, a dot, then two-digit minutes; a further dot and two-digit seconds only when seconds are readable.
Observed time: 1.35.49
